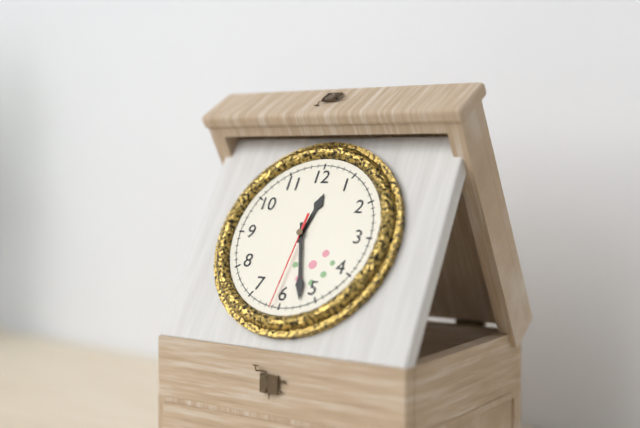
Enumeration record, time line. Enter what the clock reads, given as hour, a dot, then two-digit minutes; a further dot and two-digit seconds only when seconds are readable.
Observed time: 12.27.31
